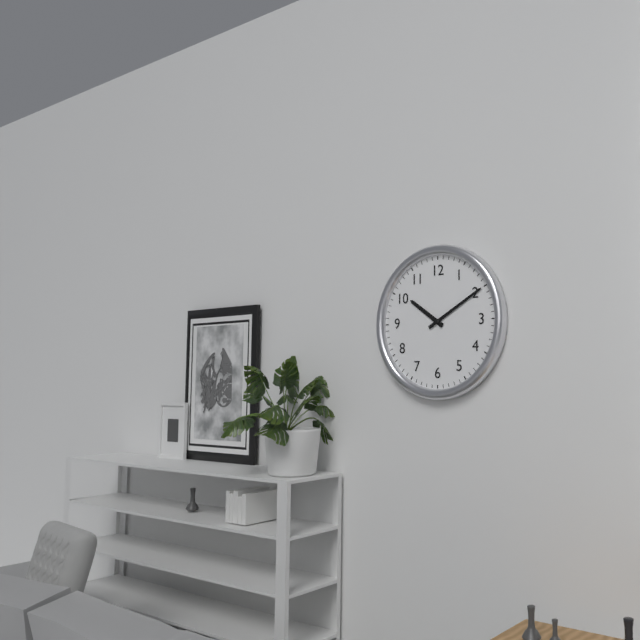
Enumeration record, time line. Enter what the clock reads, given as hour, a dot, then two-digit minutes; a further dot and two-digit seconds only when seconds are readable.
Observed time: 10.10
